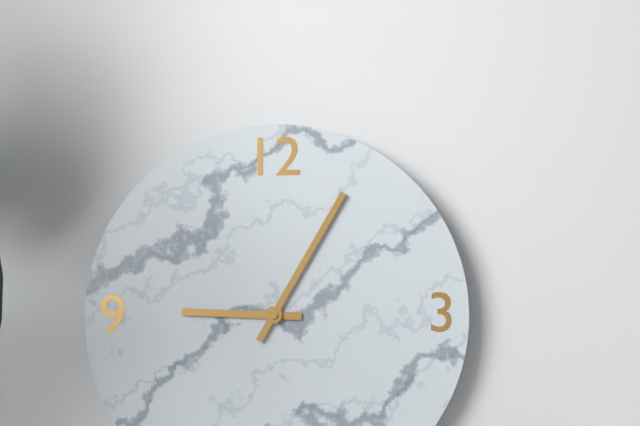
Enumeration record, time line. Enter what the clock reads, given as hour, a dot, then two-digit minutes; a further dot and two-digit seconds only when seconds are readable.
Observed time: 9.05
